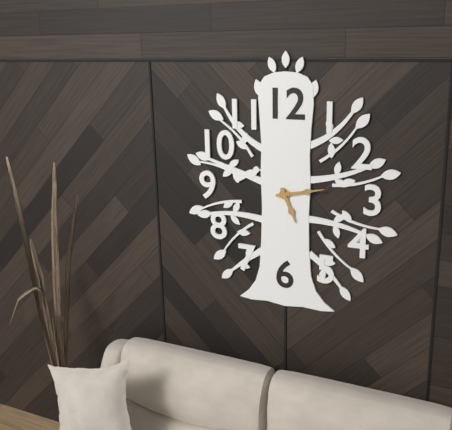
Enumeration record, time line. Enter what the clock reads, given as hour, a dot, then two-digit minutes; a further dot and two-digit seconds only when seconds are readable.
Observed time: 5.13
